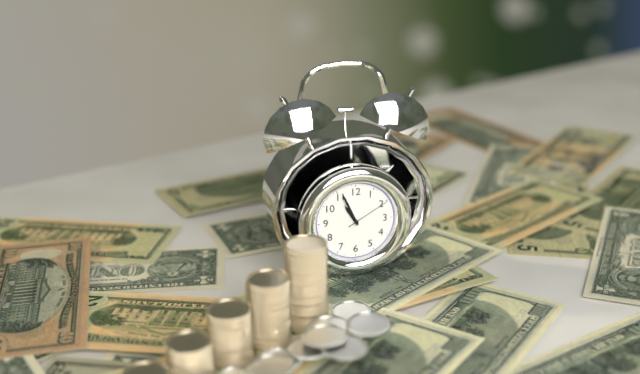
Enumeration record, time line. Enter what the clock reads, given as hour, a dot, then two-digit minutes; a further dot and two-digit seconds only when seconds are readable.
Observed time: 10.56
